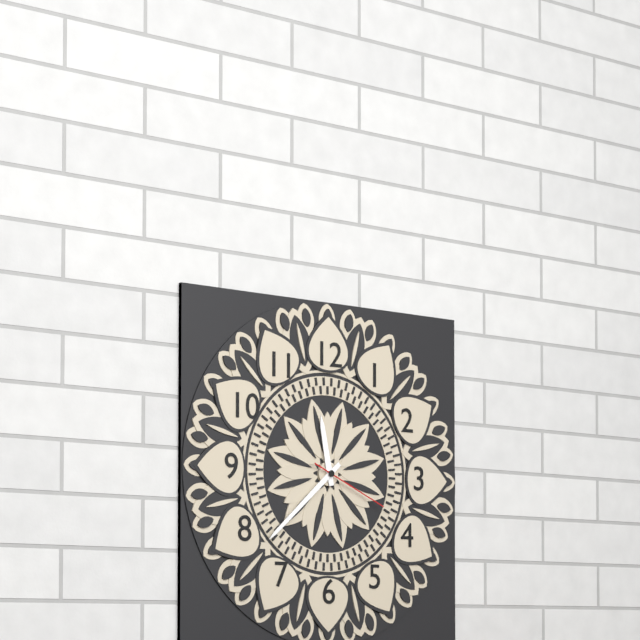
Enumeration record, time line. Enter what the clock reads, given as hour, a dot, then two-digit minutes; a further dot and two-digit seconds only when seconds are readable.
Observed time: 11.38.19
